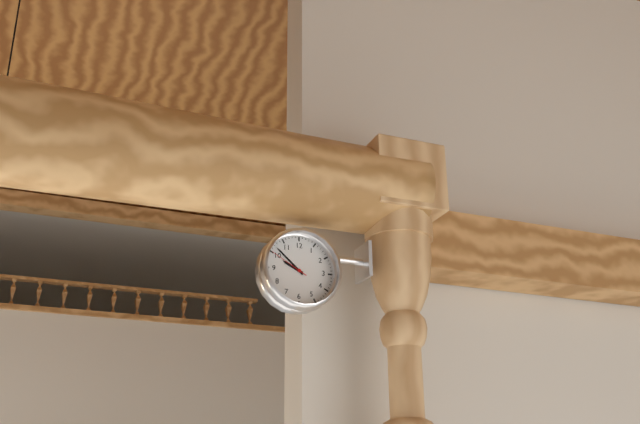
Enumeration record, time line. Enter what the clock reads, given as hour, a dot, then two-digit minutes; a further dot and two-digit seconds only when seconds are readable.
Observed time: 9.52
